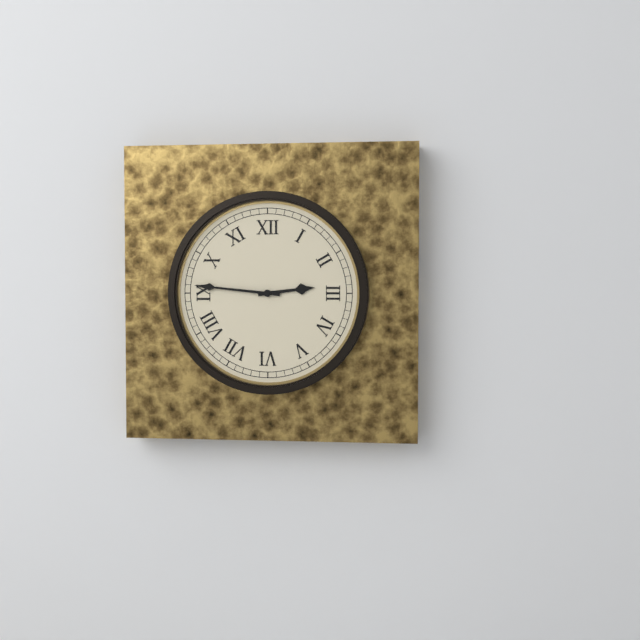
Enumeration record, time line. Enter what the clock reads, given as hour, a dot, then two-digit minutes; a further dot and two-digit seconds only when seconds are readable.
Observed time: 2.46
